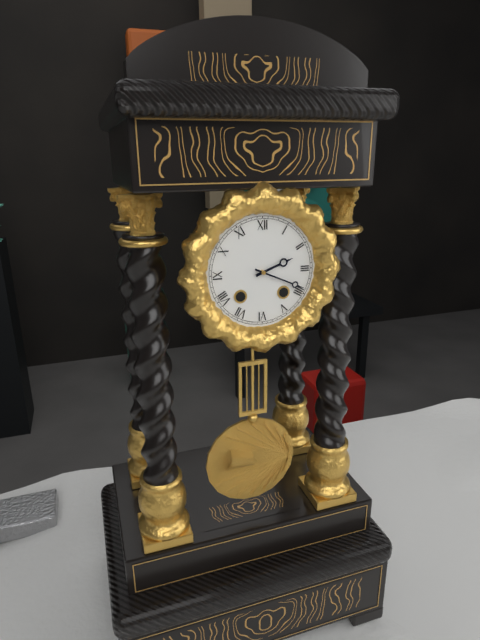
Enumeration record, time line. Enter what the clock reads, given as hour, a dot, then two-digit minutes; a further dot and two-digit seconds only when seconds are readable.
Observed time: 2.19
